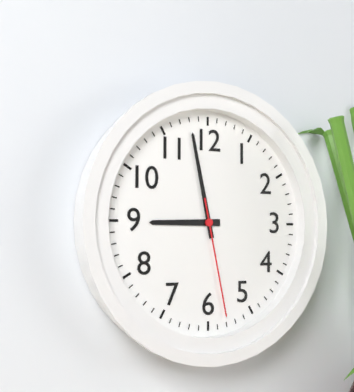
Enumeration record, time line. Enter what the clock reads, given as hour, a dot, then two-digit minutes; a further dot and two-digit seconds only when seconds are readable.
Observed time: 8.58.28
